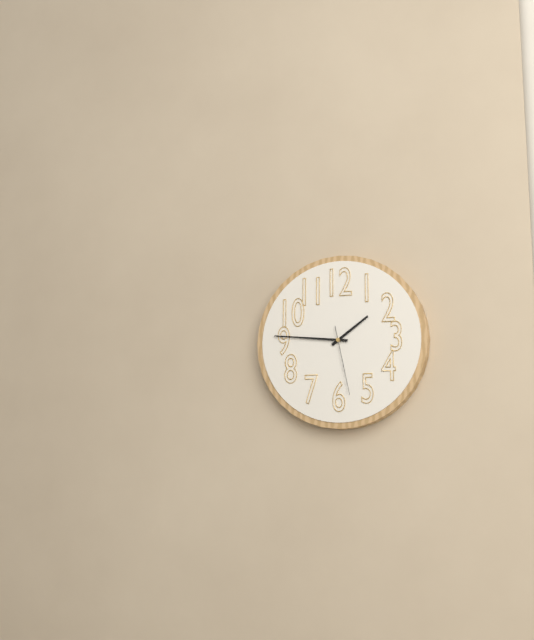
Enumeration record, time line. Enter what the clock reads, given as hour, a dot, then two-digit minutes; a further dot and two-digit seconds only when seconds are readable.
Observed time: 1.46.28
